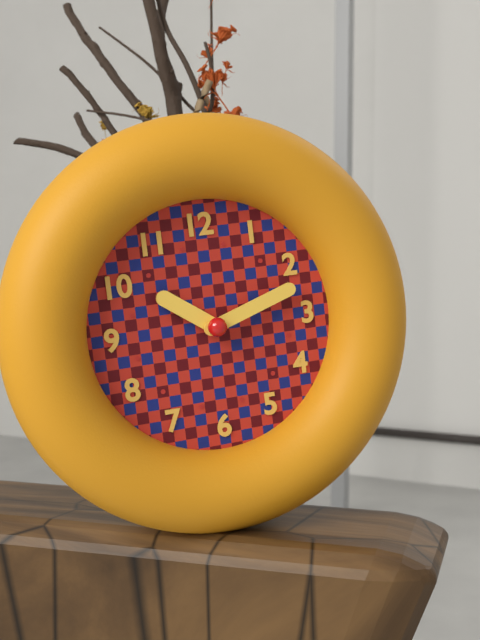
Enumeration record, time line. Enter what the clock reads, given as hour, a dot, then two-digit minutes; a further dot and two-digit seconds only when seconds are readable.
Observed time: 10.12
